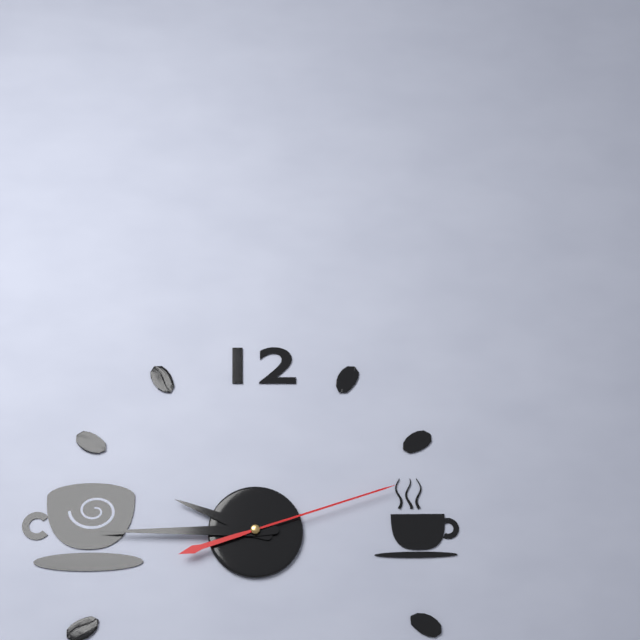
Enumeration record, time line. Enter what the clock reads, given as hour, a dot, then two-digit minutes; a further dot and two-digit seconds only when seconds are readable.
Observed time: 9.45.12
